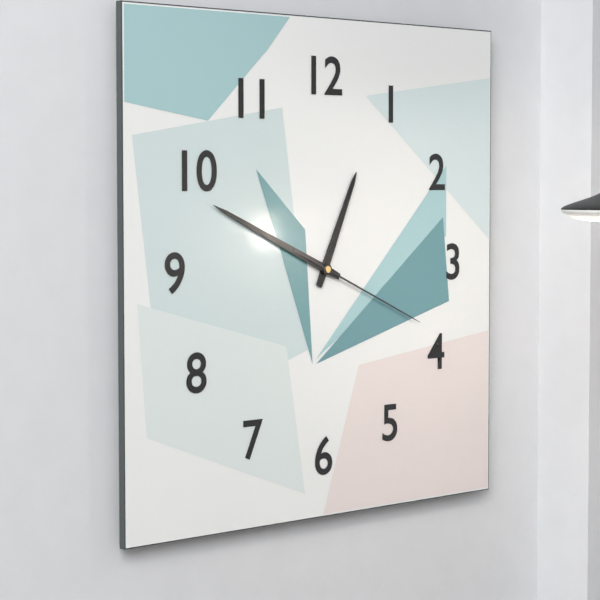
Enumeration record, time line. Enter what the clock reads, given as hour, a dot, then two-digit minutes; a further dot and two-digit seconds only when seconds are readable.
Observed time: 12.49.19
